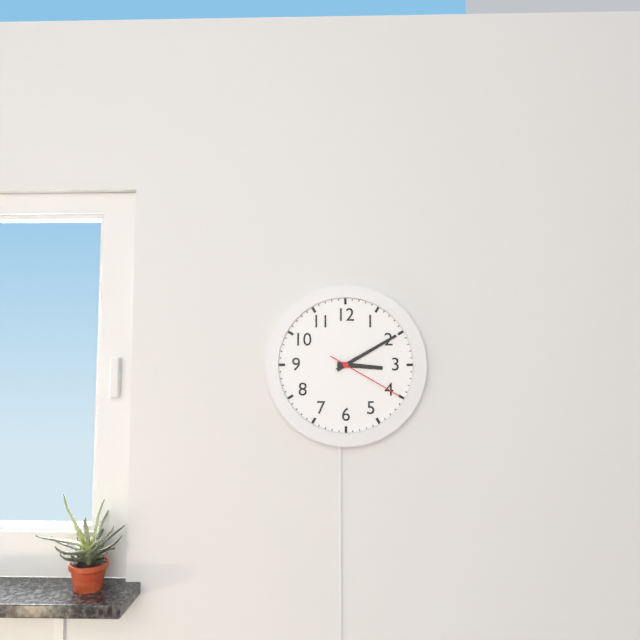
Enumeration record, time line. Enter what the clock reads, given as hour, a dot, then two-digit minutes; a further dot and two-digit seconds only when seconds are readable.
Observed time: 3.10.20
